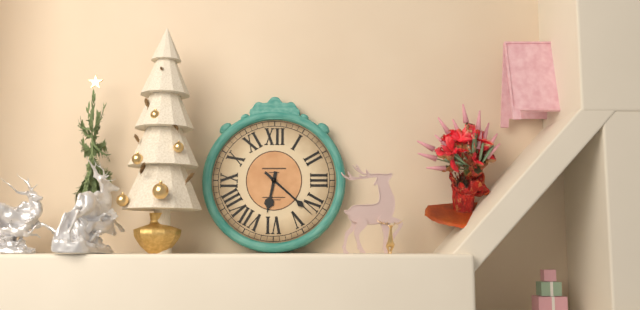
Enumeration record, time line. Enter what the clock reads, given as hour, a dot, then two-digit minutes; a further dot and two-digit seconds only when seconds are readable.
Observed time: 6.22
